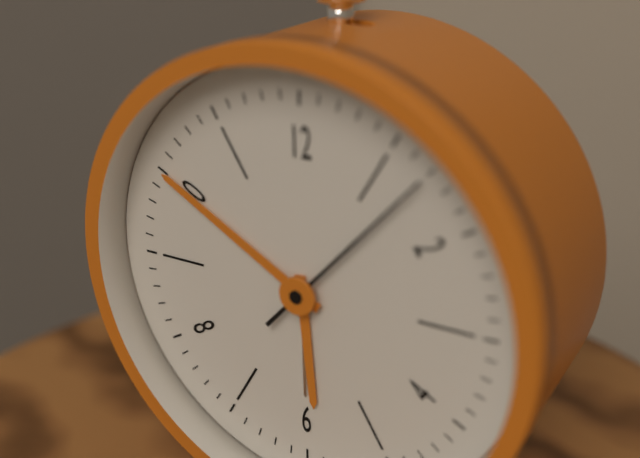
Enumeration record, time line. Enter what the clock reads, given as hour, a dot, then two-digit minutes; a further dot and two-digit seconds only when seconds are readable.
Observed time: 5.50.07
